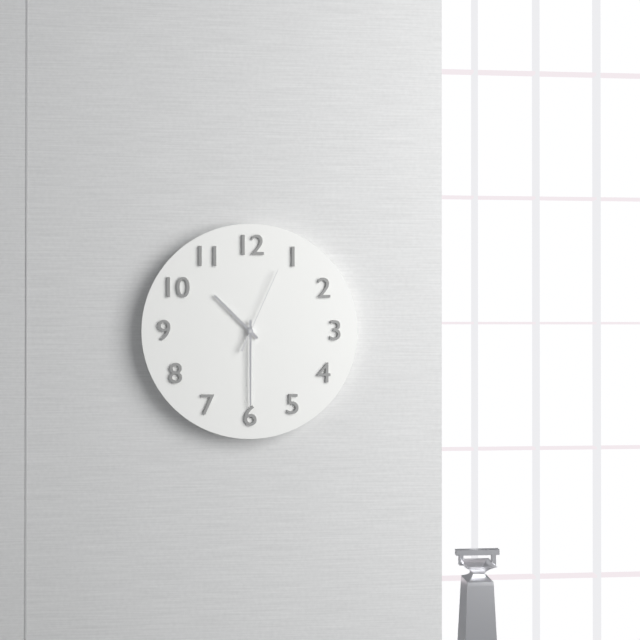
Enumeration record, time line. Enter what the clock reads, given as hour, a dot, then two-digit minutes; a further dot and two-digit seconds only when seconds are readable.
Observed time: 10.30.04
